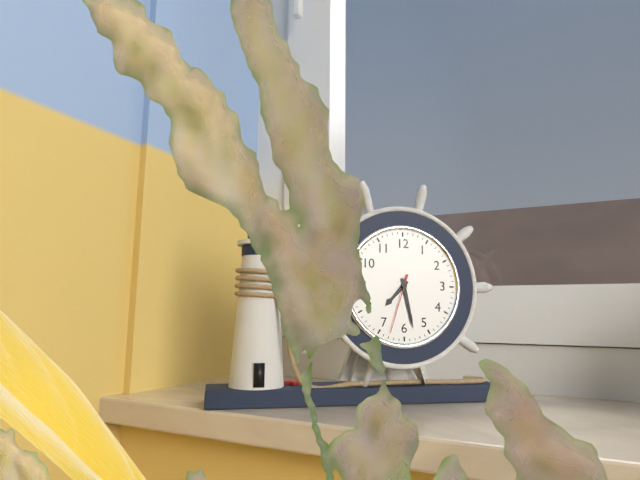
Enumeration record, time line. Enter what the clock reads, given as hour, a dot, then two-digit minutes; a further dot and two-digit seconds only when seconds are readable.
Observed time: 7.28.33
